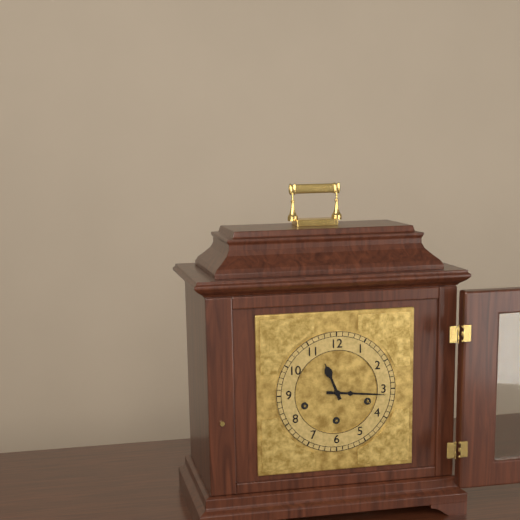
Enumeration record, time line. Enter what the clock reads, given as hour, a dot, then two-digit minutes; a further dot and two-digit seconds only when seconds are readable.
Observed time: 11.16
